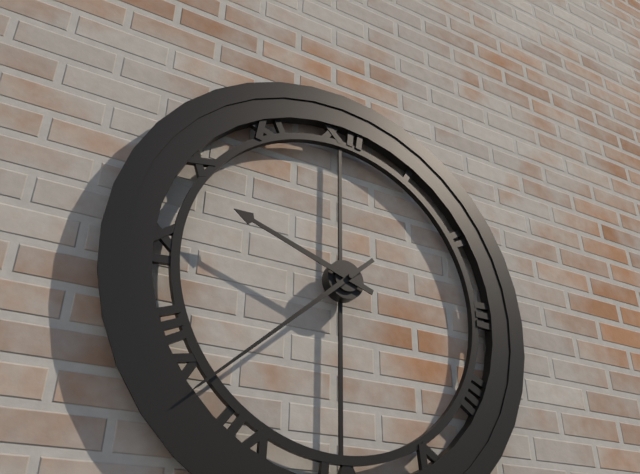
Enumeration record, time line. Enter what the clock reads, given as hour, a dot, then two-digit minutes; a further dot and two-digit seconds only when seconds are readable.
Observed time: 9.38
